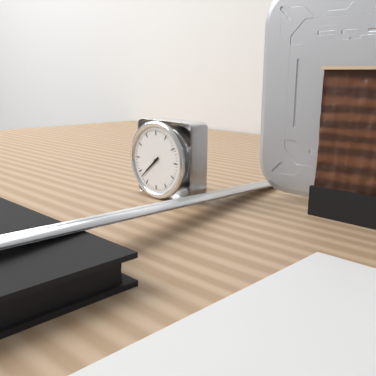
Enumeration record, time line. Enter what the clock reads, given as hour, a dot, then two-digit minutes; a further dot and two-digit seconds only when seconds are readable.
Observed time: 7.38
